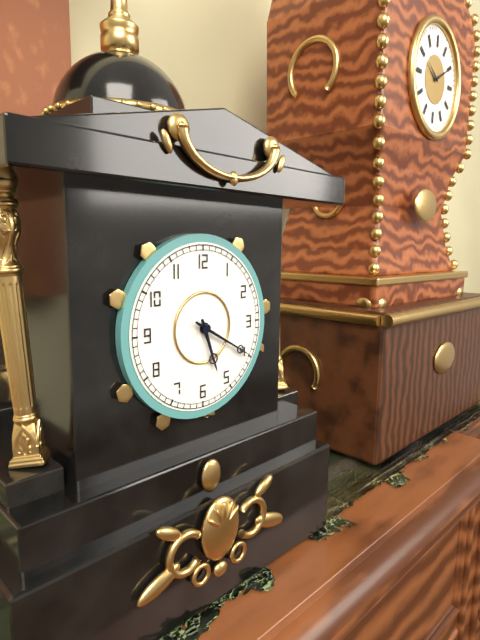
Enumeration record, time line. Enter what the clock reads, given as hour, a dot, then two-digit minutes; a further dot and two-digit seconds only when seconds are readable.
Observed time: 5.20
